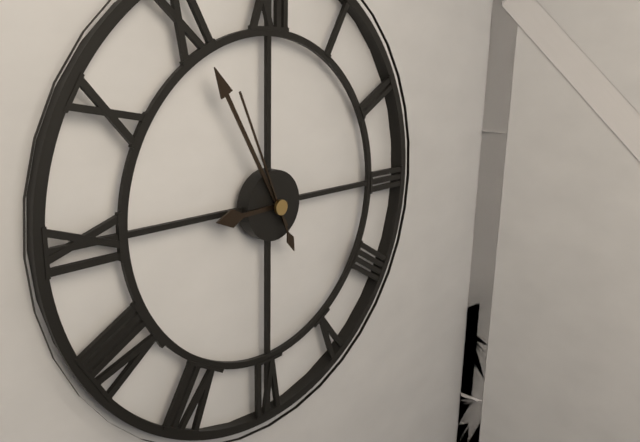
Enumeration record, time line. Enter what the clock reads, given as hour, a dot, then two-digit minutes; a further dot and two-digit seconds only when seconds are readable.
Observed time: 8.55.56
